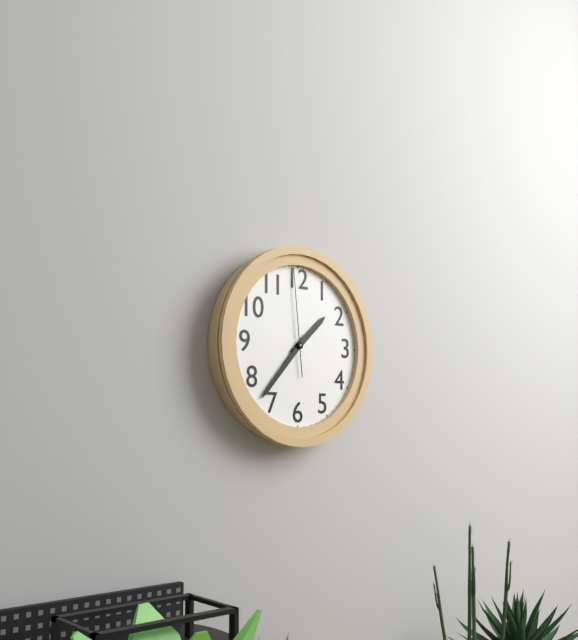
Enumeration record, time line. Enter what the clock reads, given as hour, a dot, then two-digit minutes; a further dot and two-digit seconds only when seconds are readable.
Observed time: 1.37.59
